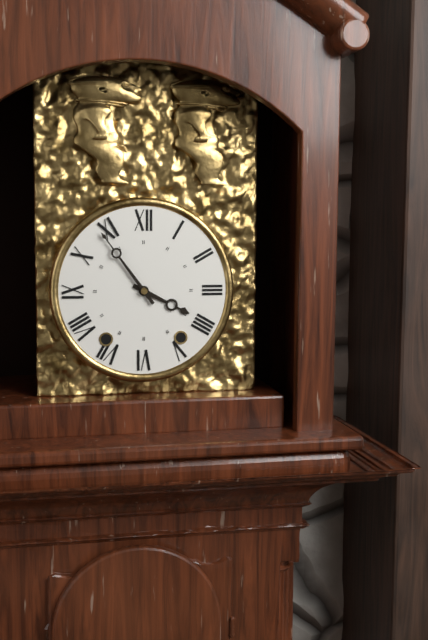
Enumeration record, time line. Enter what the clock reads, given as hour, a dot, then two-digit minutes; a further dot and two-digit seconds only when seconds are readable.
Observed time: 3.54
